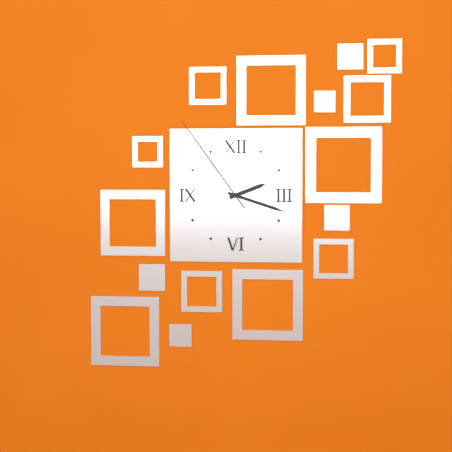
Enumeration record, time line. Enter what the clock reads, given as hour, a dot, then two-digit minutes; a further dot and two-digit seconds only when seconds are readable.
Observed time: 2.18.54
